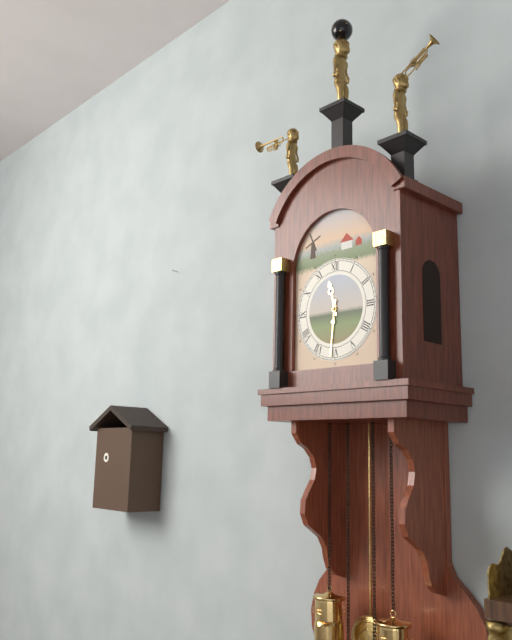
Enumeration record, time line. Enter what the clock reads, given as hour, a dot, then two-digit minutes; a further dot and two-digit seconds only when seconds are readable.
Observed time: 11.31
